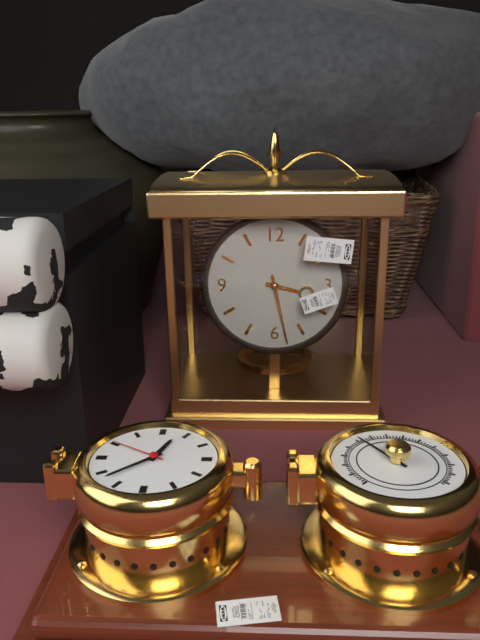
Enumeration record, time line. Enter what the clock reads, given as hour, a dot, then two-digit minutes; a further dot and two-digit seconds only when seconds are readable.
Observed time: 3.28
